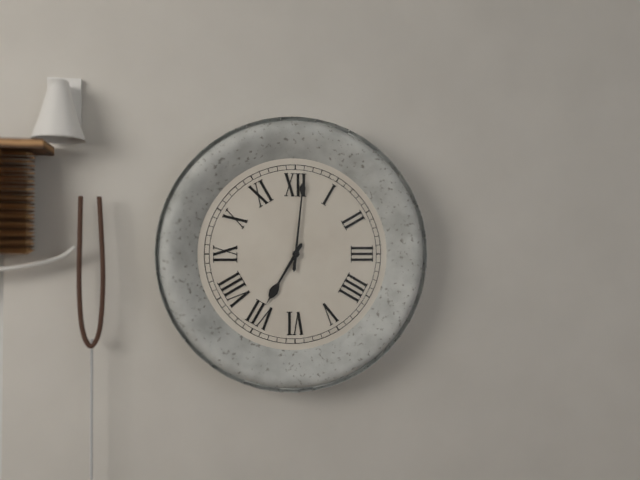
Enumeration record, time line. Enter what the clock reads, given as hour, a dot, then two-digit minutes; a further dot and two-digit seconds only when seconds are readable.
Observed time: 7.01
